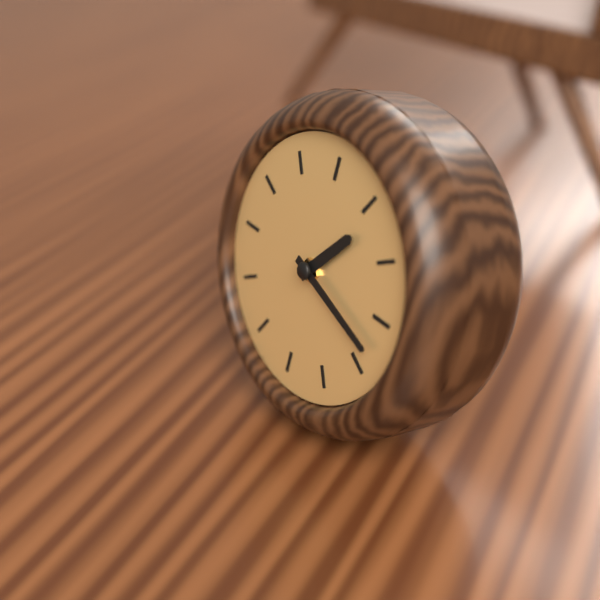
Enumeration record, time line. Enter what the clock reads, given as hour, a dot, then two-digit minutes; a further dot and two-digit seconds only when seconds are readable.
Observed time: 1.18
